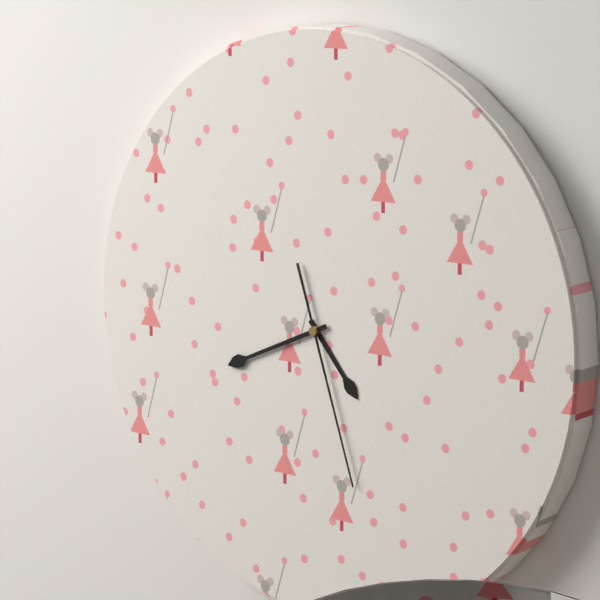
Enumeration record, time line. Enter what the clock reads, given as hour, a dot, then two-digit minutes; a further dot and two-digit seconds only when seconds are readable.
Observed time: 4.41.27
